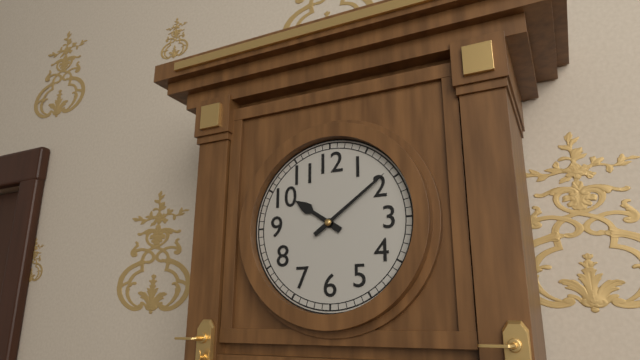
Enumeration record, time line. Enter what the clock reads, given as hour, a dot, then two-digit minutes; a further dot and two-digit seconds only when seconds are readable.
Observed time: 10.09
